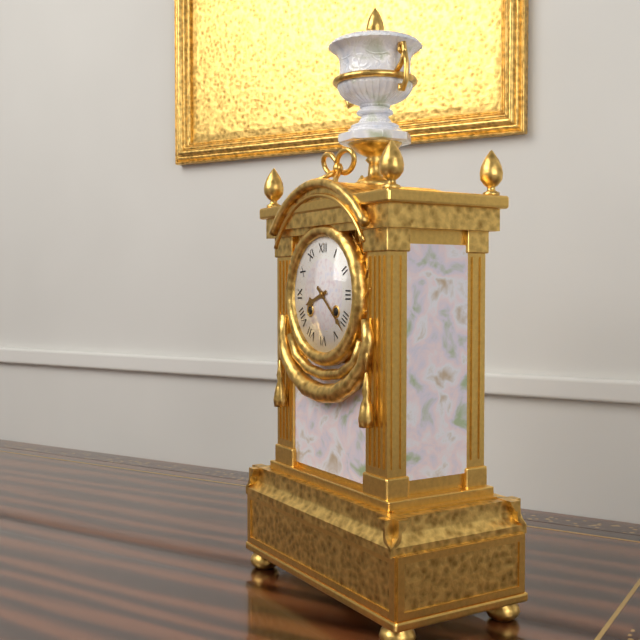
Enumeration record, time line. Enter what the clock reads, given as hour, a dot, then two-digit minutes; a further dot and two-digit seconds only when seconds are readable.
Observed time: 8.22
